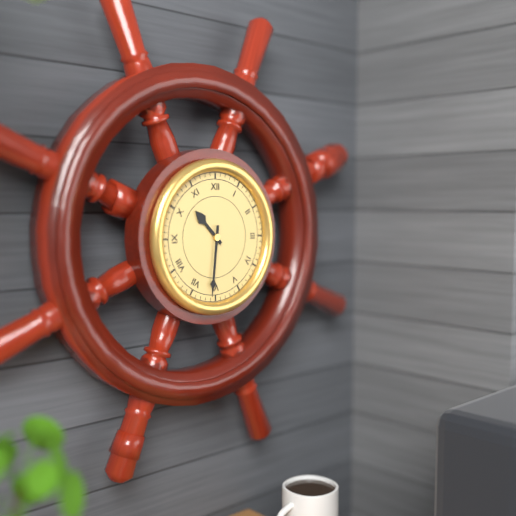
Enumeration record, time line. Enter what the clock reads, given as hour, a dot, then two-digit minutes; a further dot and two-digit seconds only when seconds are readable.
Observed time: 10.31
